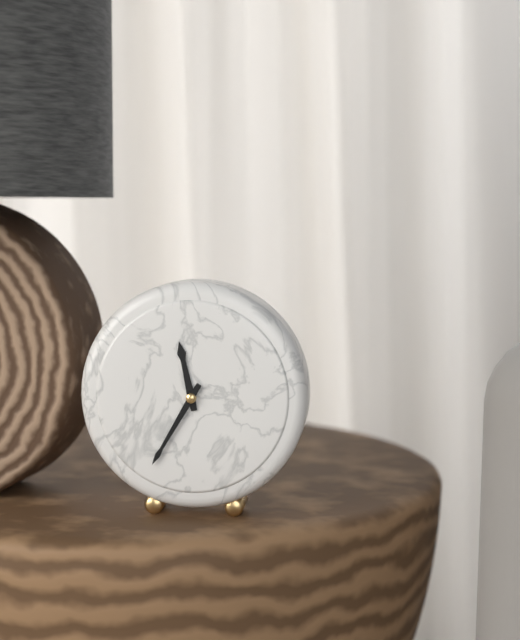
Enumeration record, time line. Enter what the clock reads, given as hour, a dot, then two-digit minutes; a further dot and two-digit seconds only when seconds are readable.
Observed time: 11.35
